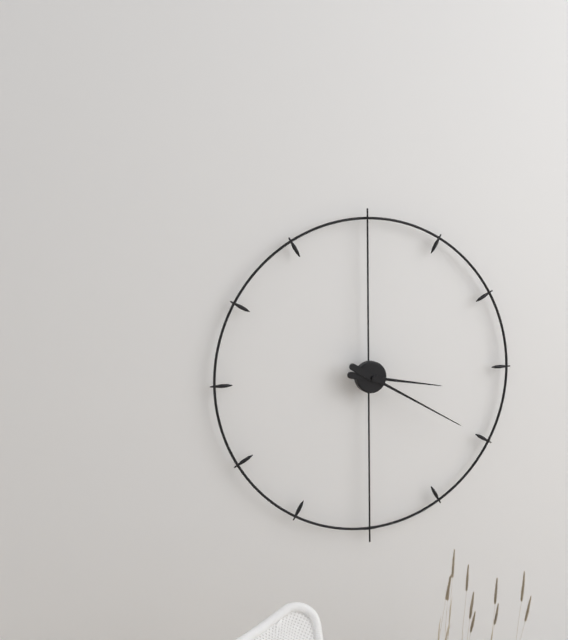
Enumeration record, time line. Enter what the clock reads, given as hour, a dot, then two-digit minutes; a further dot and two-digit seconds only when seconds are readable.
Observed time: 3.20
